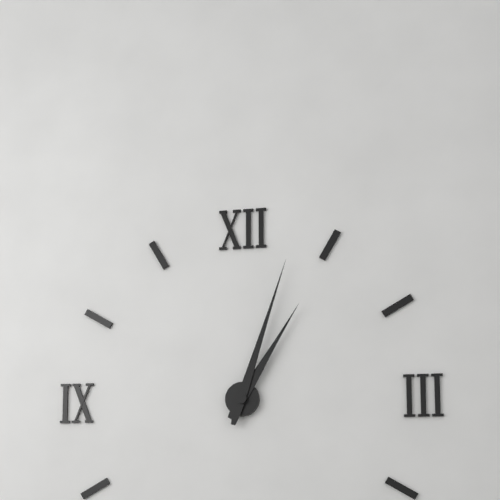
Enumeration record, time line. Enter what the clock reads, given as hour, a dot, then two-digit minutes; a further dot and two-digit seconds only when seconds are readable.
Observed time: 1.03
